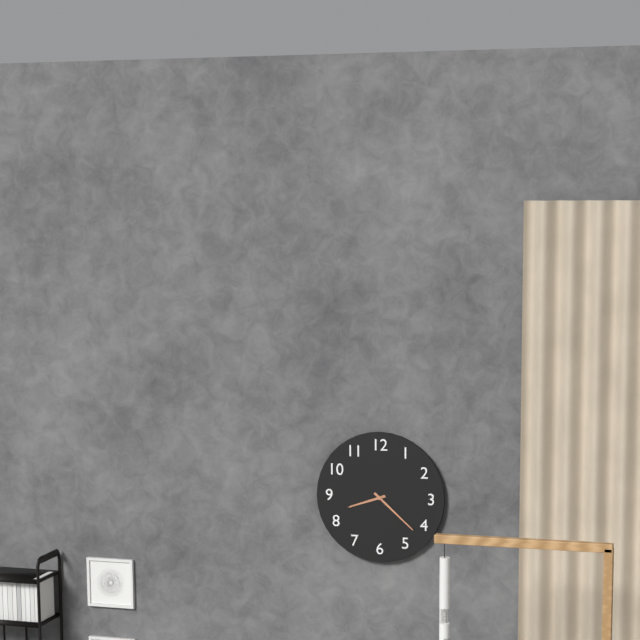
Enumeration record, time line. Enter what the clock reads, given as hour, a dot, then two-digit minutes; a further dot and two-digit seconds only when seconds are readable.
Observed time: 8.22
